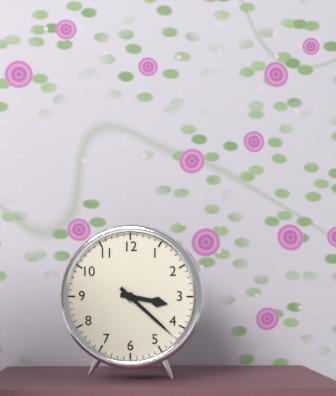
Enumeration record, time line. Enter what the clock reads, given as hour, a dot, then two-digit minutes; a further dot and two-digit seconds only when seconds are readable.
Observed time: 3.22
